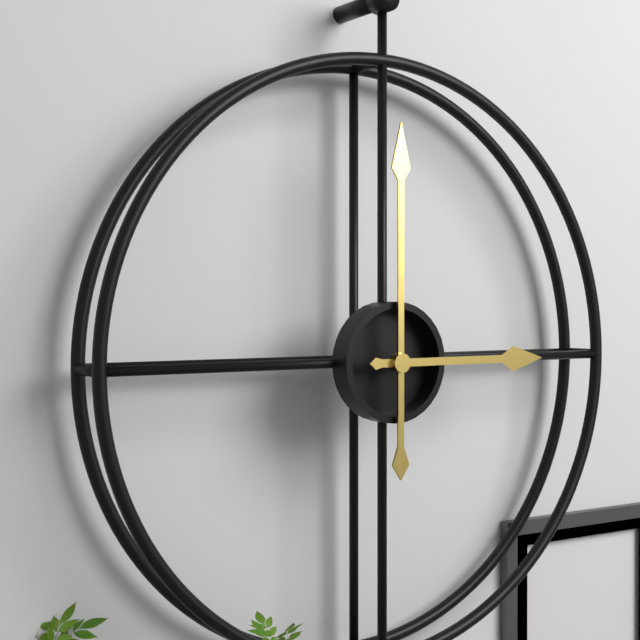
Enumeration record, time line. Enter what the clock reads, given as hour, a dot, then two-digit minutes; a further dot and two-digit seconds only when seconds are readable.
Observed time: 3.00
